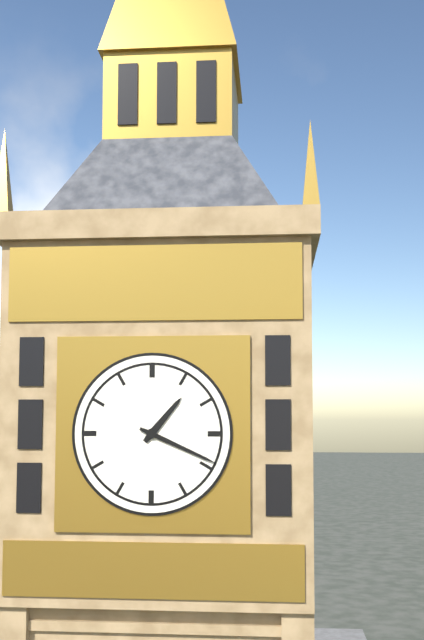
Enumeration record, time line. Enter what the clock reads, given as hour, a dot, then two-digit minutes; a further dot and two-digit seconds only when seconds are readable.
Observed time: 1.19
